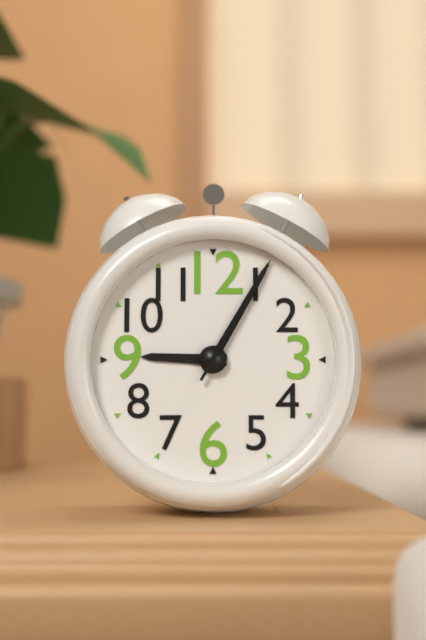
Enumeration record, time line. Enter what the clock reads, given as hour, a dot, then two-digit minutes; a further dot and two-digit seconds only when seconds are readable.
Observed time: 9.05.05
